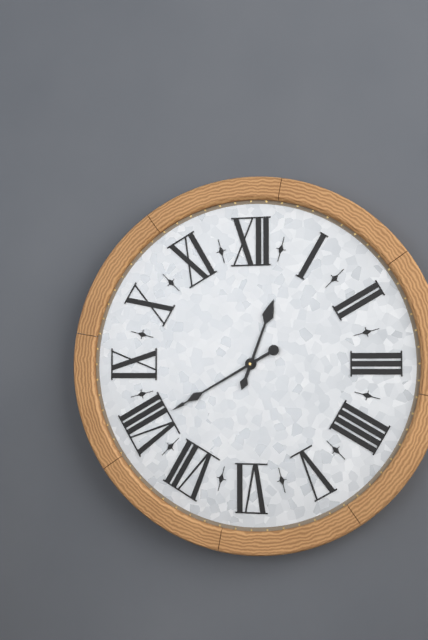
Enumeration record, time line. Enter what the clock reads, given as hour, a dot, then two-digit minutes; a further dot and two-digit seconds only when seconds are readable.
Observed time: 12.40
